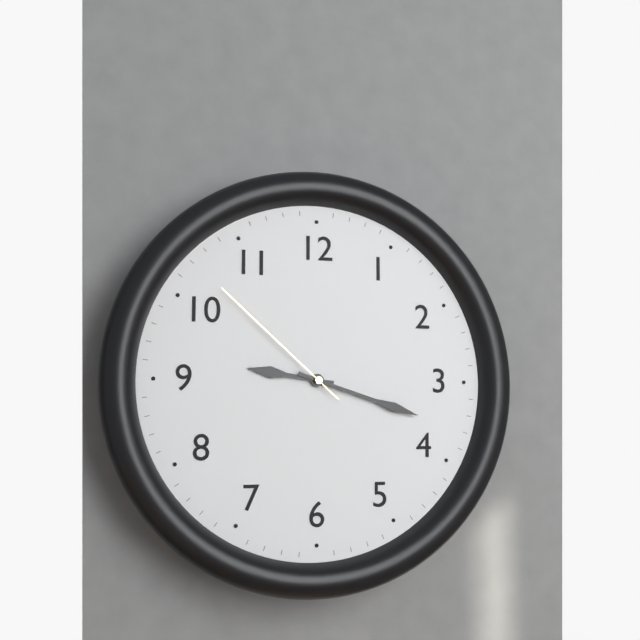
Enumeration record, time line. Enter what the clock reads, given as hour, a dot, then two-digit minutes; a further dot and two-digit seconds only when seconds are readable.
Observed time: 9.18.52
